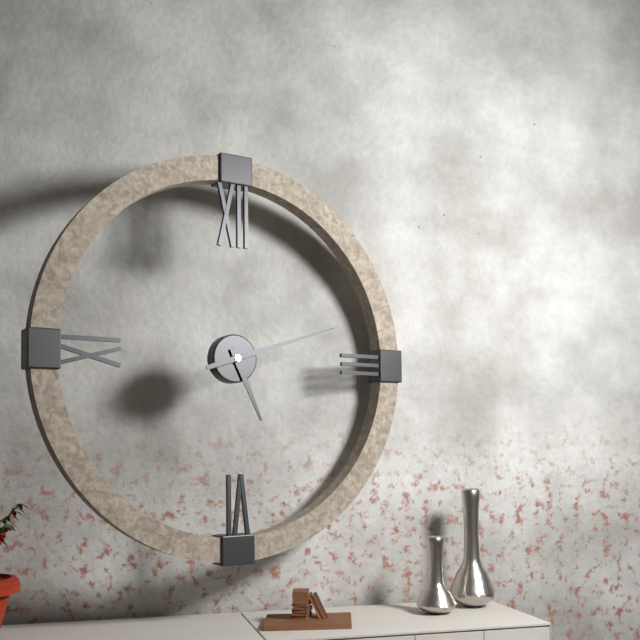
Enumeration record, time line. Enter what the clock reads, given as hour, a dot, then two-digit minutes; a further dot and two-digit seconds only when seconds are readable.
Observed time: 5.12
